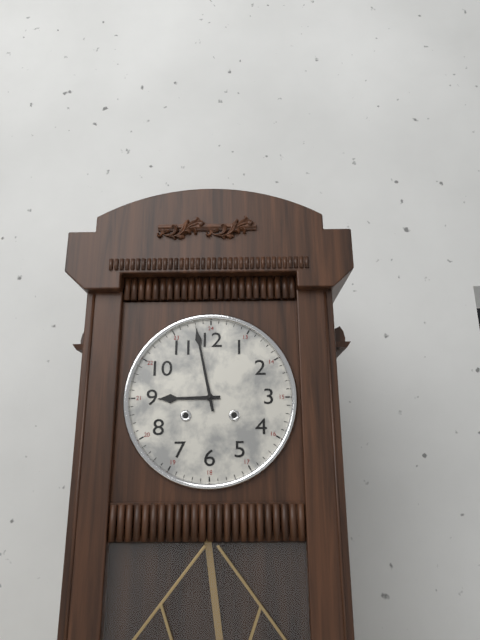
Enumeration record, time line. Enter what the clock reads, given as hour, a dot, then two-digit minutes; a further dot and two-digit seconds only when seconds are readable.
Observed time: 8.58
